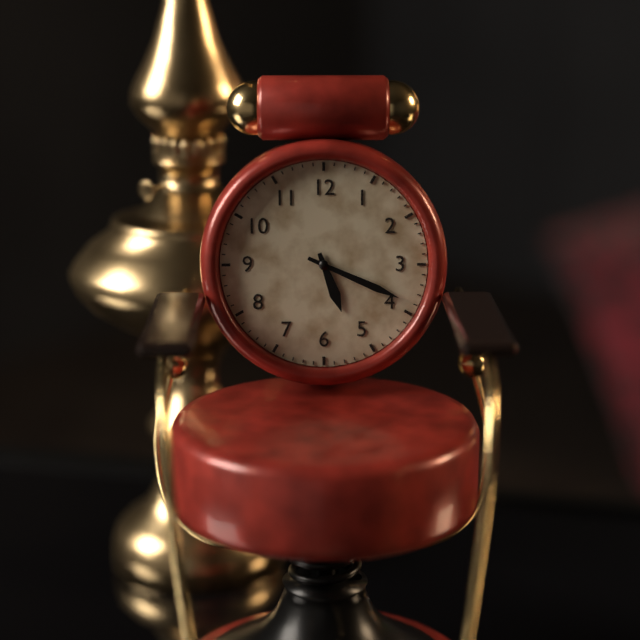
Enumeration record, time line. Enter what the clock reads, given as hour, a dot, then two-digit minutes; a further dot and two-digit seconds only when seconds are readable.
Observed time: 5.19
